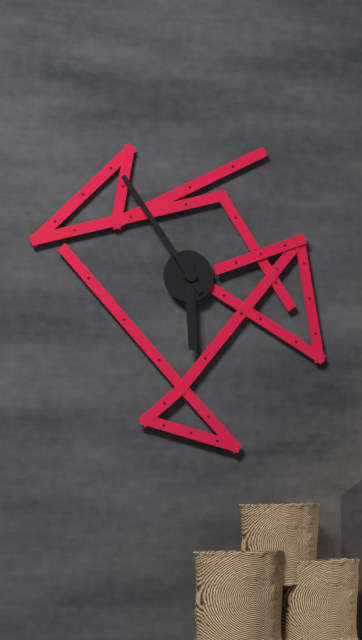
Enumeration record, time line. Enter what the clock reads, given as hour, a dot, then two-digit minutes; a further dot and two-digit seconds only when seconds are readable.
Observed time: 5.54
